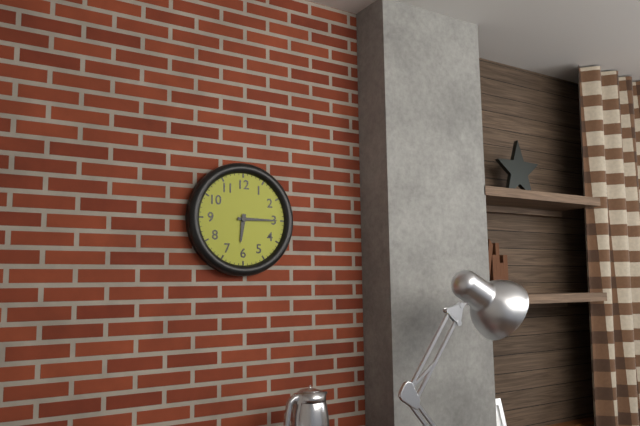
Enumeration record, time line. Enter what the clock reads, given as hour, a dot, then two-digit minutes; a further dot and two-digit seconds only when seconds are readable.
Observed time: 6.15
